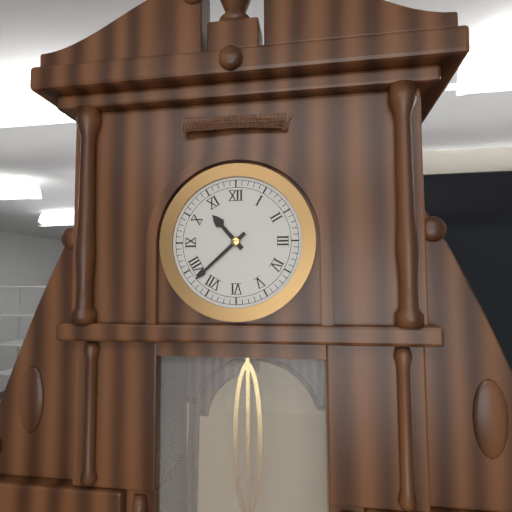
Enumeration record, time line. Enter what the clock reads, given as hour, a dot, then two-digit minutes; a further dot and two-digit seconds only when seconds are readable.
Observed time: 10.38
